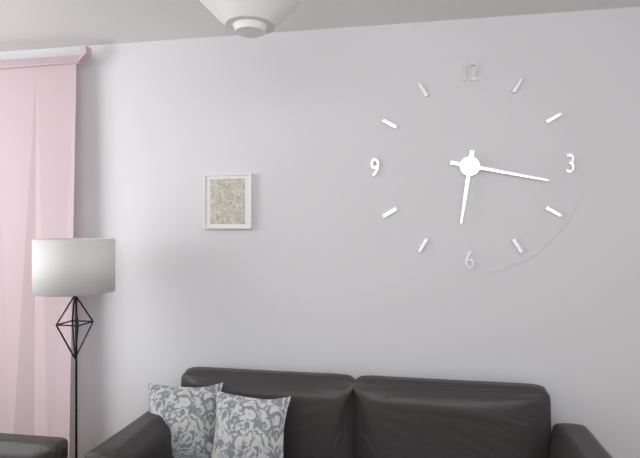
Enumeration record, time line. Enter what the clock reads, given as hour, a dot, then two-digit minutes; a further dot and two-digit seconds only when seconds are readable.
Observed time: 6.17
